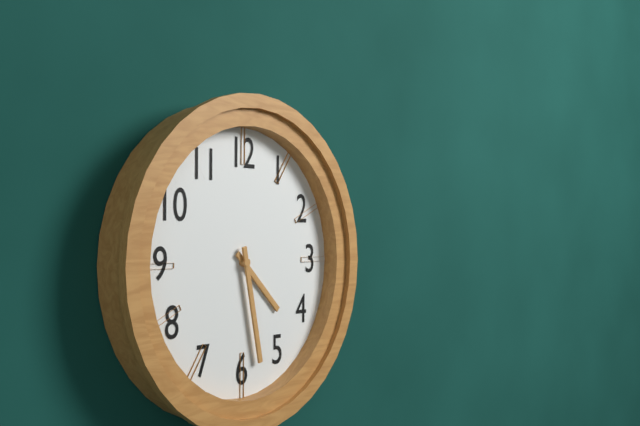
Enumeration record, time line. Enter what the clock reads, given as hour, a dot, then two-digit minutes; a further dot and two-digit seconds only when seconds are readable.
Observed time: 4.28
